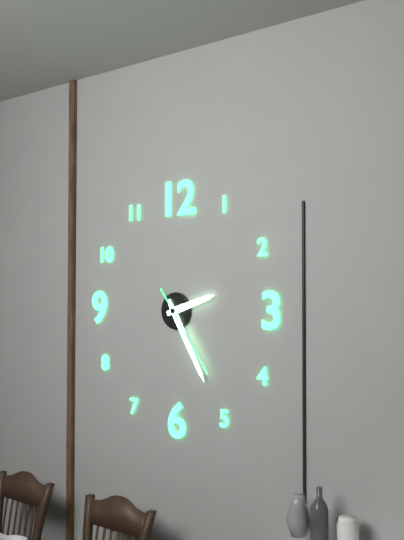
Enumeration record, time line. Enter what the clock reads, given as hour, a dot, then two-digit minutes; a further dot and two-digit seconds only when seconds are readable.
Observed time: 2.25.24
